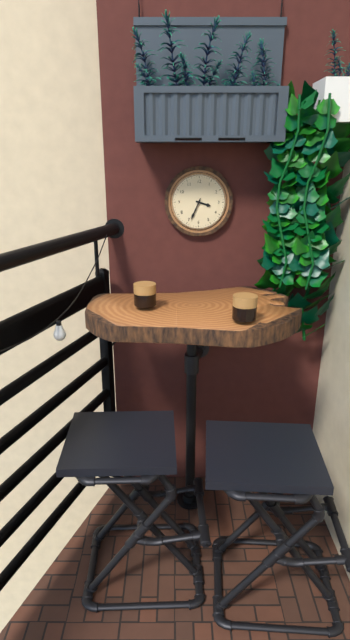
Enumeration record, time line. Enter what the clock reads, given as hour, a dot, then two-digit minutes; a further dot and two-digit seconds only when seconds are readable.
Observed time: 3.34
